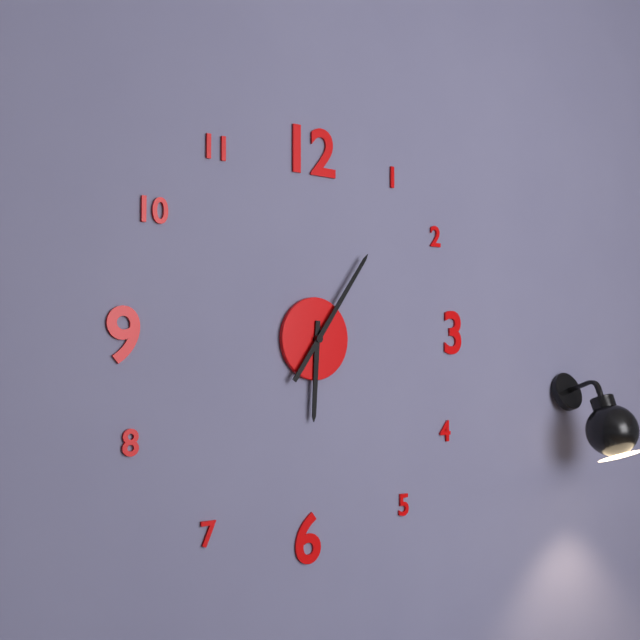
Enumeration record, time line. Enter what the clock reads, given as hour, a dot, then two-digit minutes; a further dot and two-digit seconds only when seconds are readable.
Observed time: 6.06
